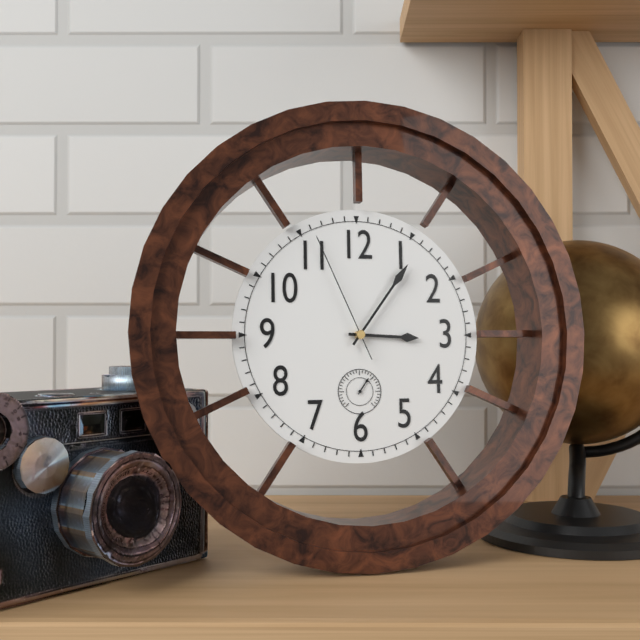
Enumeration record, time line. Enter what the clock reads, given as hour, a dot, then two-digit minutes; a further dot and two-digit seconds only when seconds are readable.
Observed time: 3.06.56
